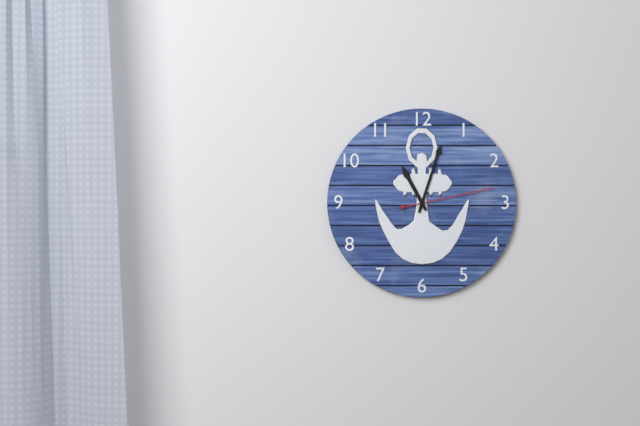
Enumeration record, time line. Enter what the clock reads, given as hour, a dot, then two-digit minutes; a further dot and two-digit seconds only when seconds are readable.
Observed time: 11.03.13
